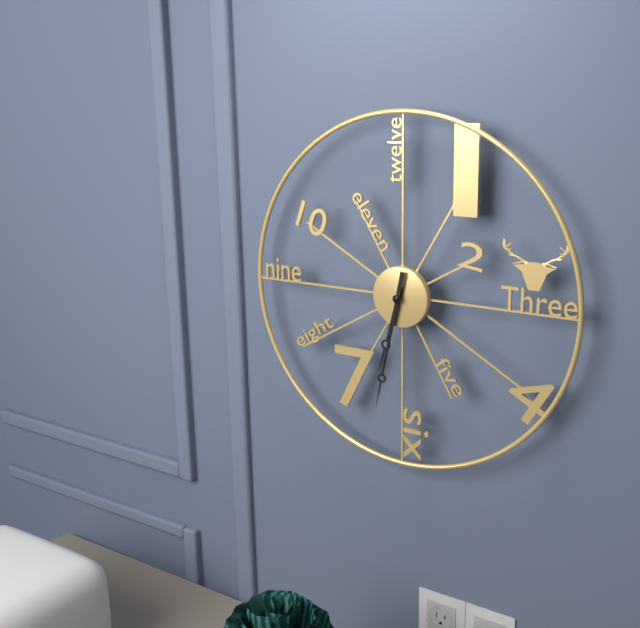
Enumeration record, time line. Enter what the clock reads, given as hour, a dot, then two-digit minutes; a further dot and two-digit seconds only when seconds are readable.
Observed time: 6.32
